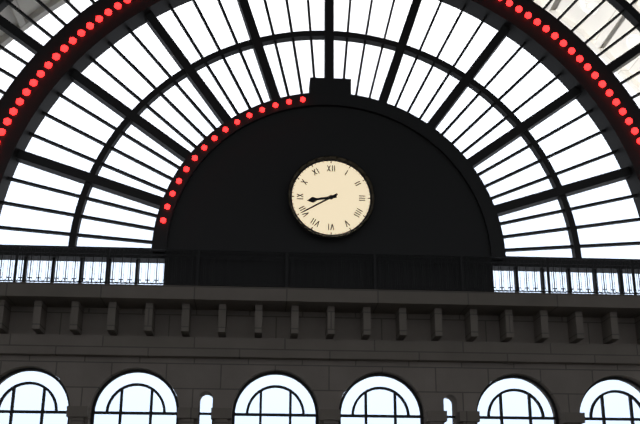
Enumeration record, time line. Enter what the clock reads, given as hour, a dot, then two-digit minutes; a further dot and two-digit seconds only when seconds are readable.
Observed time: 8.40
